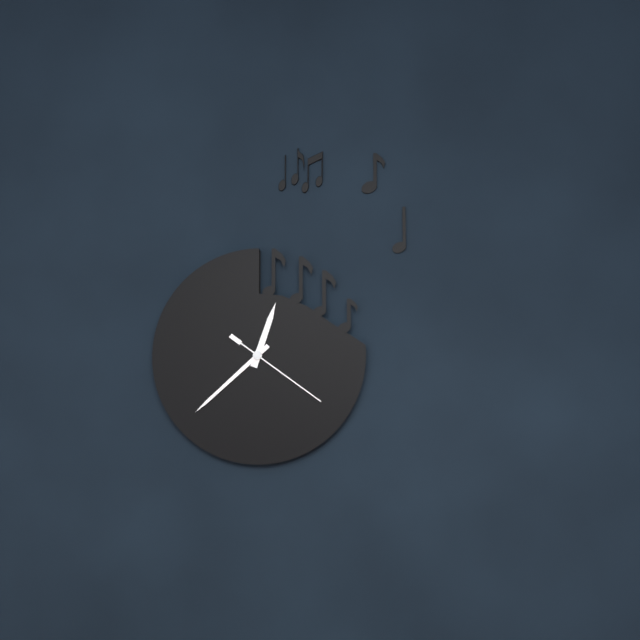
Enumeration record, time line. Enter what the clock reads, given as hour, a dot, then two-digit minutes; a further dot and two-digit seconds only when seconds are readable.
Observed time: 12.38.21
